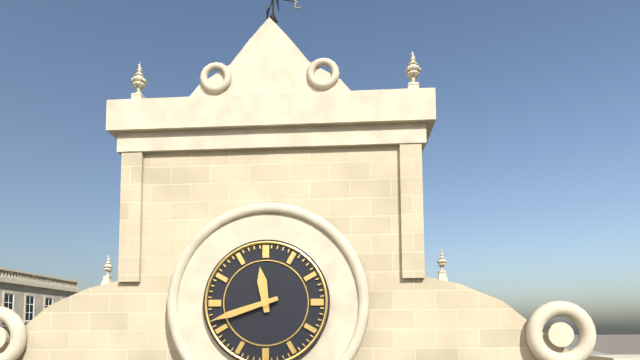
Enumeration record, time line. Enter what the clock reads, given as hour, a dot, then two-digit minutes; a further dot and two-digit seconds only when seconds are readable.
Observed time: 11.42
